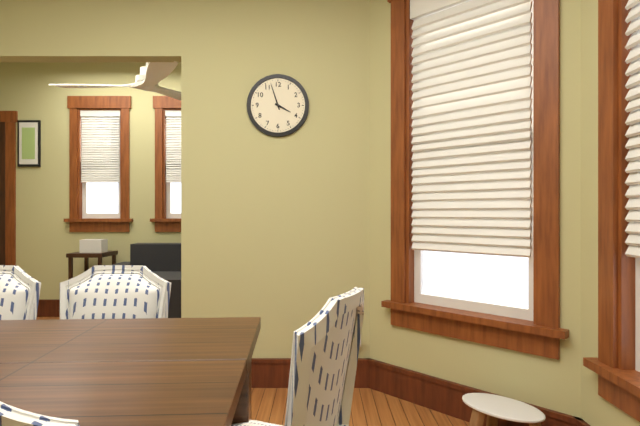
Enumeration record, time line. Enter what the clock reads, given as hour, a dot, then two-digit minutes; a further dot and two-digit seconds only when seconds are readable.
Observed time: 3.57
